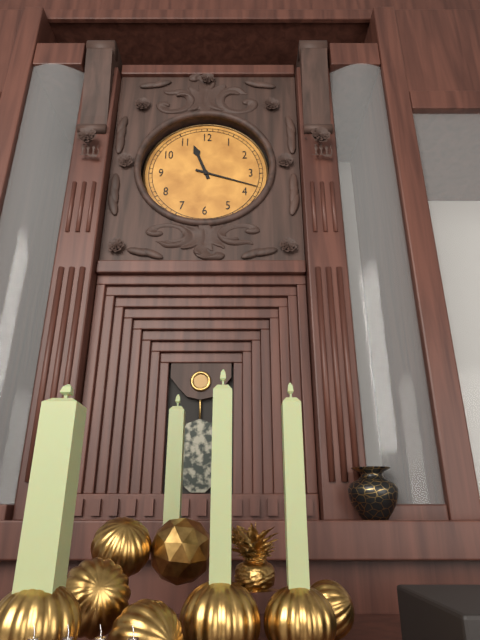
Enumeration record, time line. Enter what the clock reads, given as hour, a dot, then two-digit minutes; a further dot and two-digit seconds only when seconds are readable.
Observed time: 11.18
